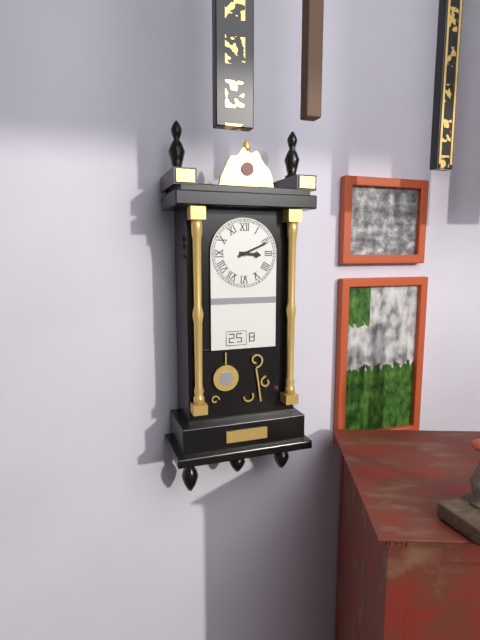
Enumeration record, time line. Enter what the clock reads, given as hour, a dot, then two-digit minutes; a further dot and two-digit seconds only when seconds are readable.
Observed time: 3.11
